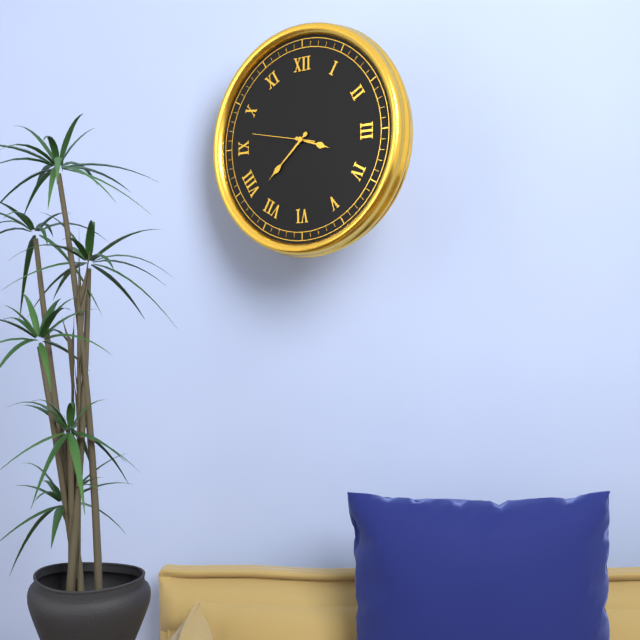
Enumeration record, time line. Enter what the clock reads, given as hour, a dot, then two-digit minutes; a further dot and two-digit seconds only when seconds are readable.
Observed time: 3.38.47
